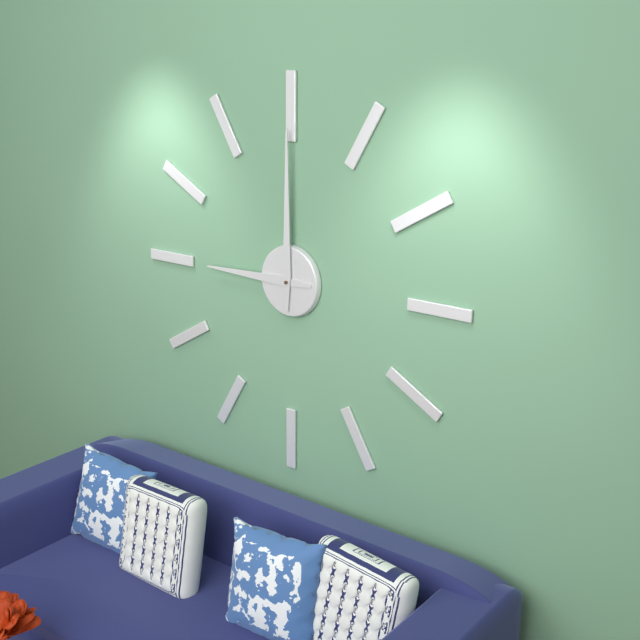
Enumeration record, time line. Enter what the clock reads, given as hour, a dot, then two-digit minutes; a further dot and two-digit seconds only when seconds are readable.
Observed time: 9.00
